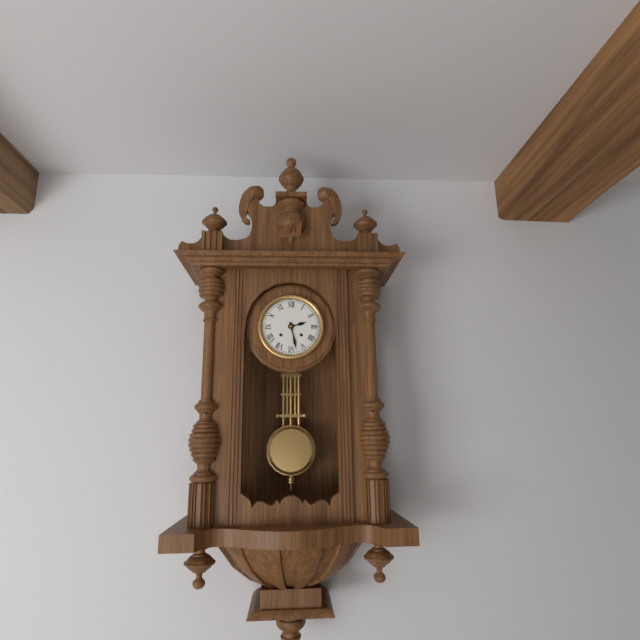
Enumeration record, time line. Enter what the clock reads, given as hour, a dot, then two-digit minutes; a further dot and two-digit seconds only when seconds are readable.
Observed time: 2.28
